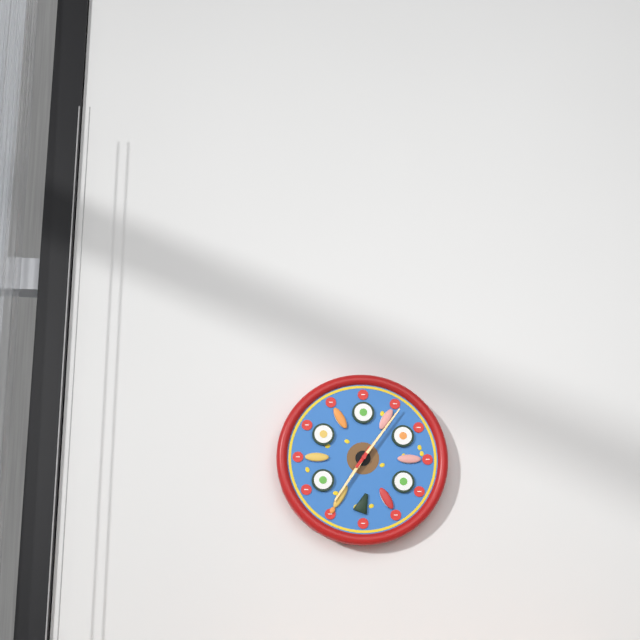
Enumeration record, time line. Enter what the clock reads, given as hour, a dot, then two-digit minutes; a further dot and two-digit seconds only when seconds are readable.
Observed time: 7.06
